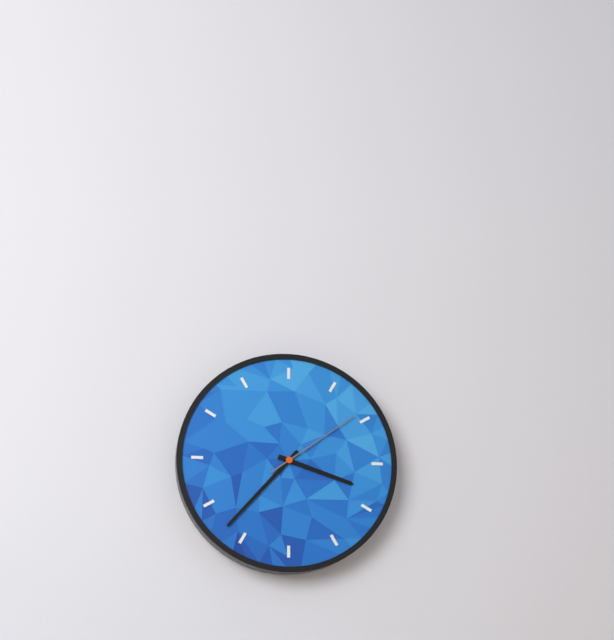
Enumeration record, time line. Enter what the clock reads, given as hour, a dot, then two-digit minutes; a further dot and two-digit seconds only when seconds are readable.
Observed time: 3.37.09
